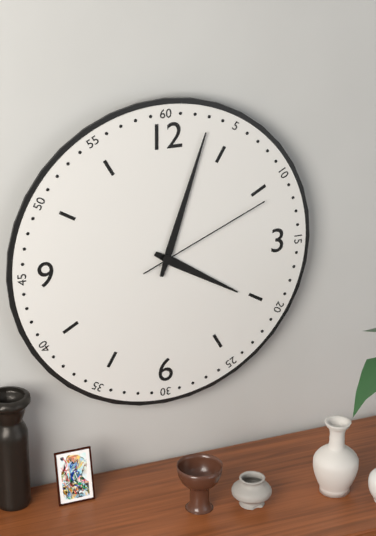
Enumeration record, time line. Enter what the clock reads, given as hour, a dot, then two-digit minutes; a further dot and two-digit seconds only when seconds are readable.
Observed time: 4.03.11
